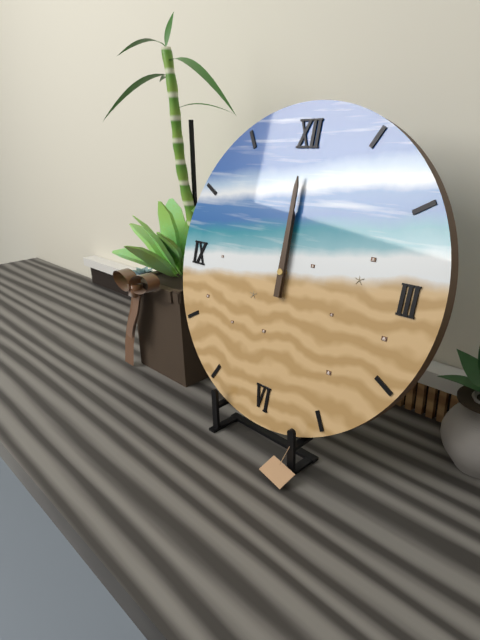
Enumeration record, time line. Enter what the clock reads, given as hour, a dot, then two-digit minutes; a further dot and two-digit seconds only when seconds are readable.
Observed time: 12.00
